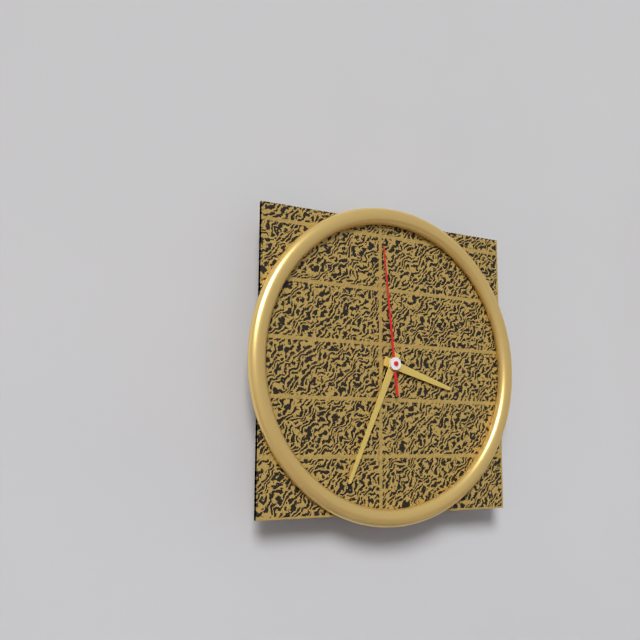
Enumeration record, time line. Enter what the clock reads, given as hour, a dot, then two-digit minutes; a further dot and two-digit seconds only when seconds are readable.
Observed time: 3.34.59
